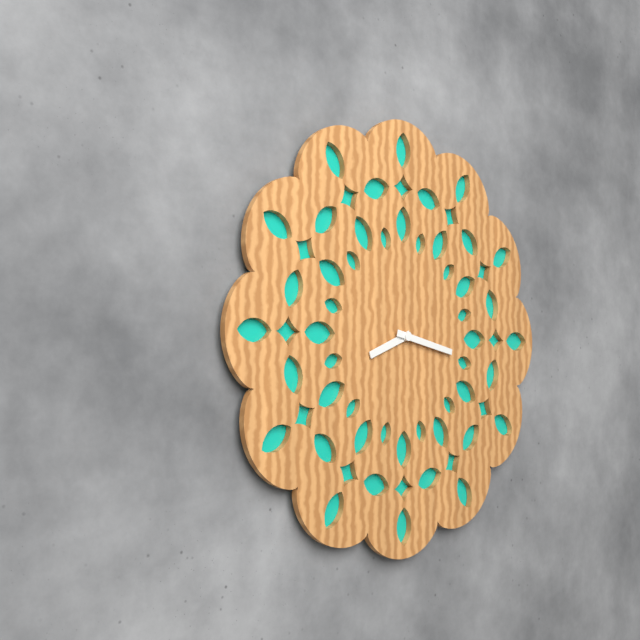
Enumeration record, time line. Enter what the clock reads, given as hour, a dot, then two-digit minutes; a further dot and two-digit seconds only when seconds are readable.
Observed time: 8.17
